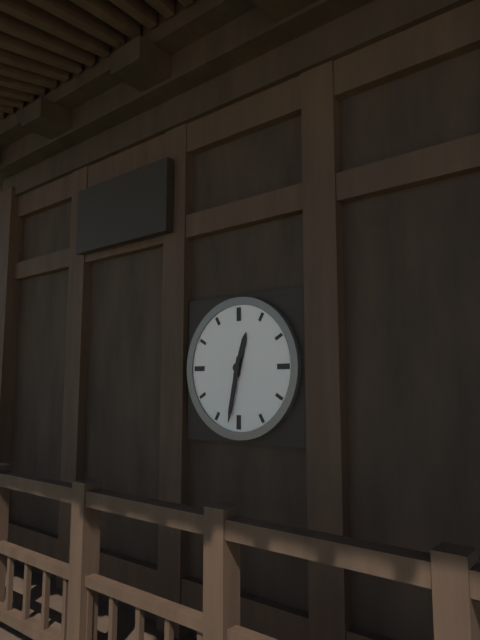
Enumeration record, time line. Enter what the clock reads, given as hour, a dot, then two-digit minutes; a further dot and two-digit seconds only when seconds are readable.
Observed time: 12.32
